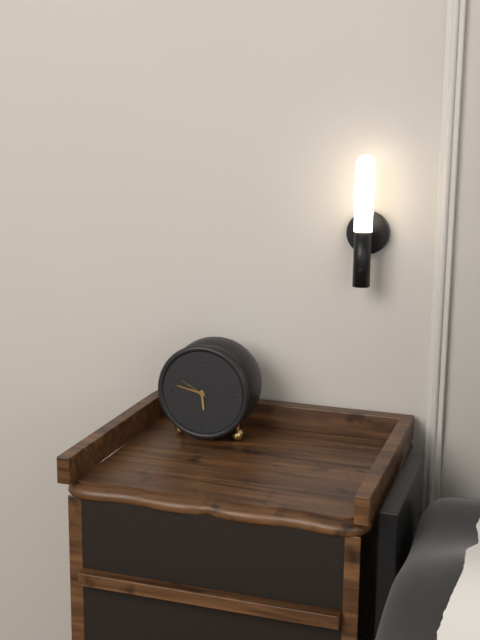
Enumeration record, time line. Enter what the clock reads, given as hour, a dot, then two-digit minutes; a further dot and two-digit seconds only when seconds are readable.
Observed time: 5.47
